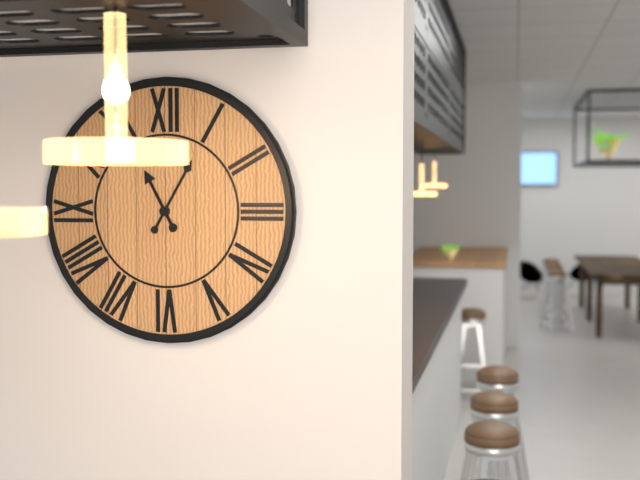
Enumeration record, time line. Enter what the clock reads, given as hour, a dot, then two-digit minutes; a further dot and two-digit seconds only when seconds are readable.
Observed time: 11.05
